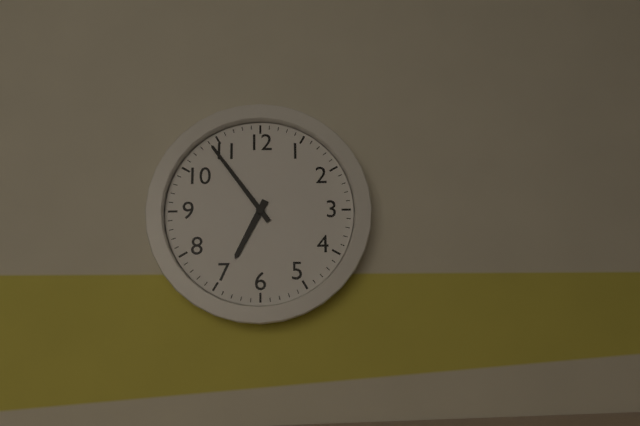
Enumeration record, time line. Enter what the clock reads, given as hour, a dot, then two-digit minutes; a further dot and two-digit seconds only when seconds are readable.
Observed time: 6.54
